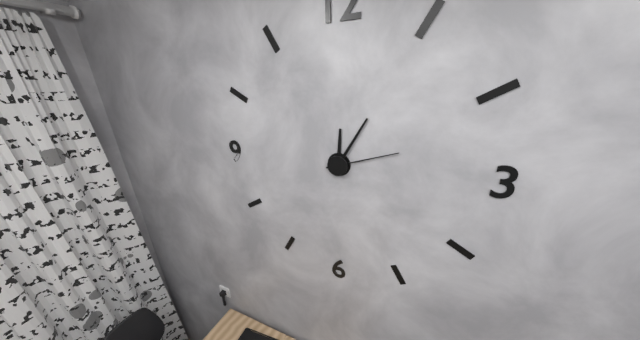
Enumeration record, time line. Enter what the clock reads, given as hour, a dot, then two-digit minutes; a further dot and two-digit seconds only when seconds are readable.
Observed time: 12.05.12
